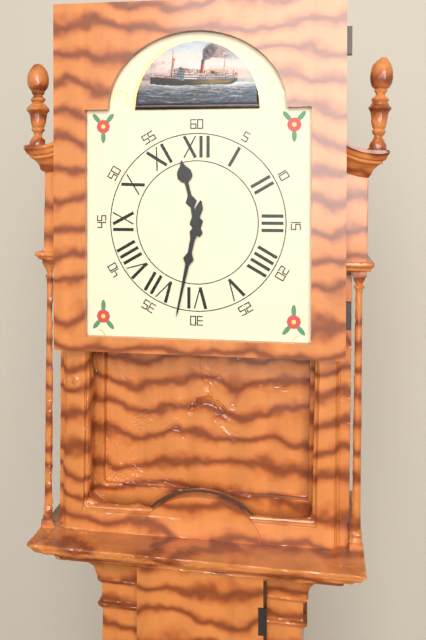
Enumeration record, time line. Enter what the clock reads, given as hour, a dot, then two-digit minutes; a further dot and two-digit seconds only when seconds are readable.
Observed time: 11.32
